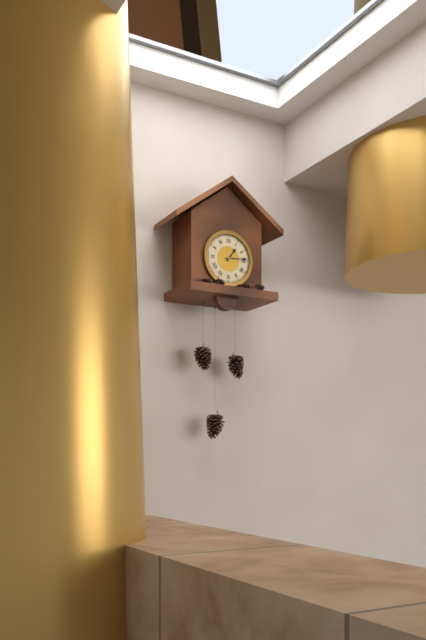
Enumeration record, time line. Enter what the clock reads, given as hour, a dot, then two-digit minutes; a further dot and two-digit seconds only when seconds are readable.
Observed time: 1.14
